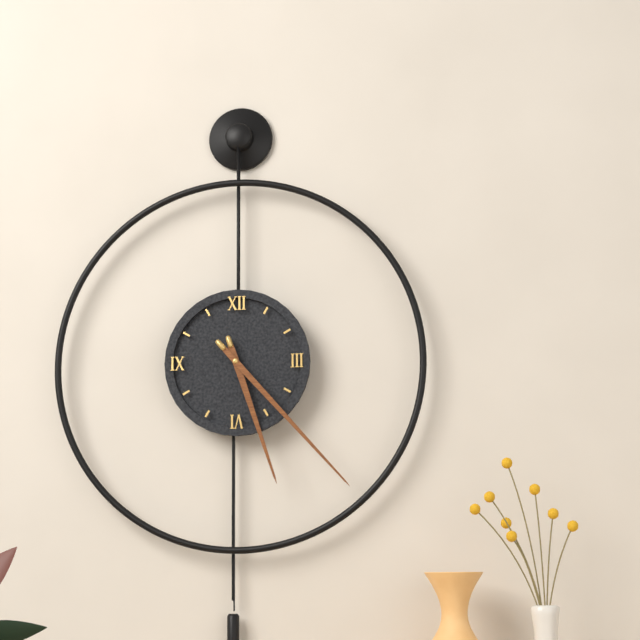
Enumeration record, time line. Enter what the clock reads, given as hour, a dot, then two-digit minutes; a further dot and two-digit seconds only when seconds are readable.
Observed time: 5.23
